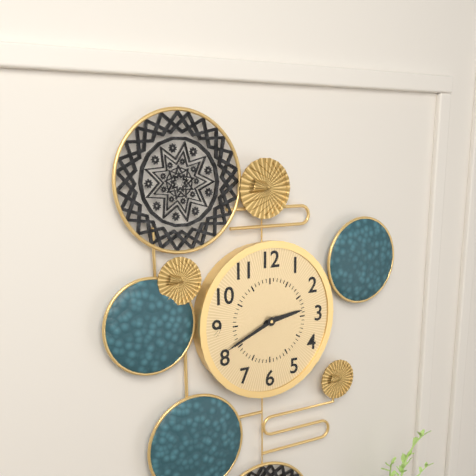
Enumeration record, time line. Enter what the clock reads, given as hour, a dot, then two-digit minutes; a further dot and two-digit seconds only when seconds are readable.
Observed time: 2.41
